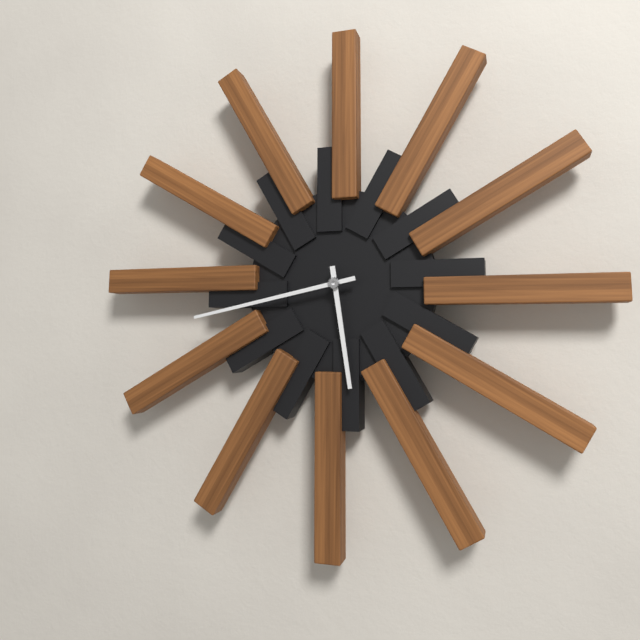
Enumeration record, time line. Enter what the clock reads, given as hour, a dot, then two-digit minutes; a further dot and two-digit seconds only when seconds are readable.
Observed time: 5.43
